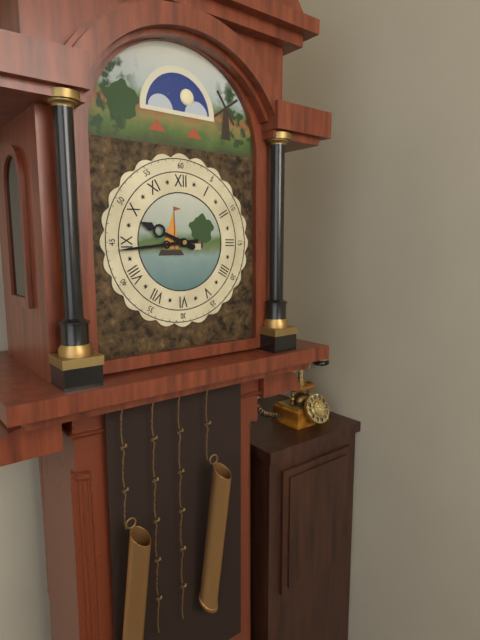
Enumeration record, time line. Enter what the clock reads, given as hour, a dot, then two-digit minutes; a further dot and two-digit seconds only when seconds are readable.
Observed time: 9.44
